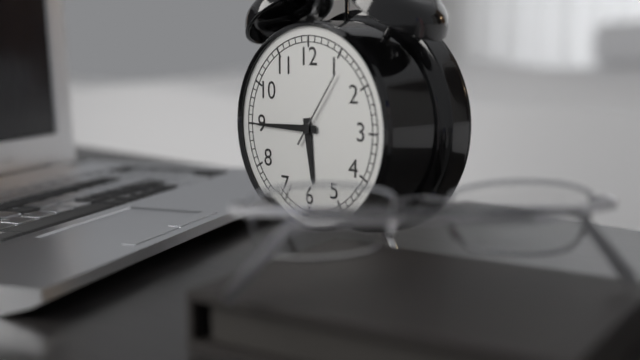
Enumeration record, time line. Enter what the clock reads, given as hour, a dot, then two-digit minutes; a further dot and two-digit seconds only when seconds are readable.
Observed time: 5.45.06
